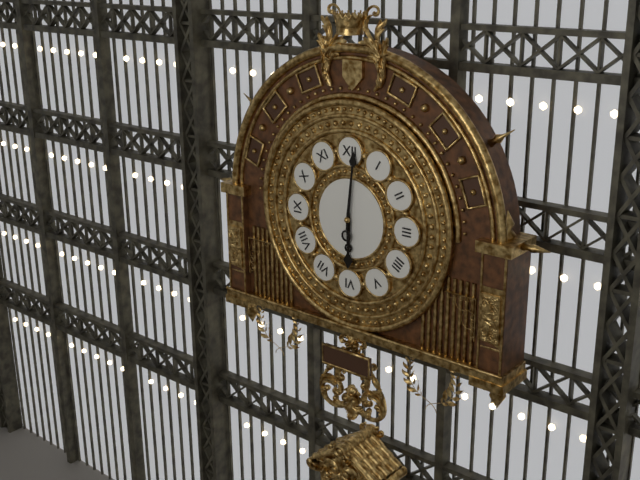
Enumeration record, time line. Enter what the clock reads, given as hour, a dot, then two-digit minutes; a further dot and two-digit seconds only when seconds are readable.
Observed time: 6.01
